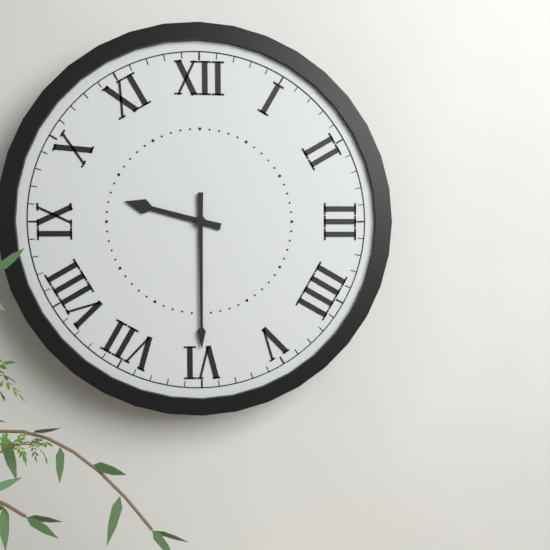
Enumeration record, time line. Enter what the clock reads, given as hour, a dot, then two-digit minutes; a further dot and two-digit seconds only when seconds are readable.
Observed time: 9.30
